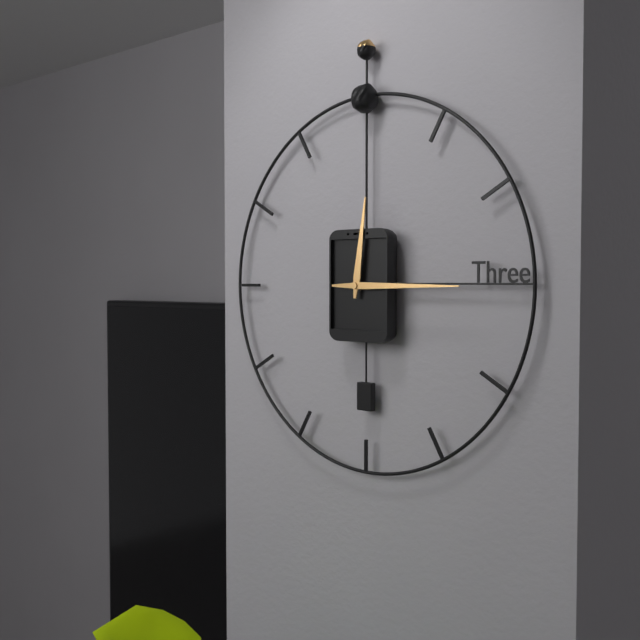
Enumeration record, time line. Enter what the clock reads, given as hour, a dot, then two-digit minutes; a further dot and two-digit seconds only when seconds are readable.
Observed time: 12.15
